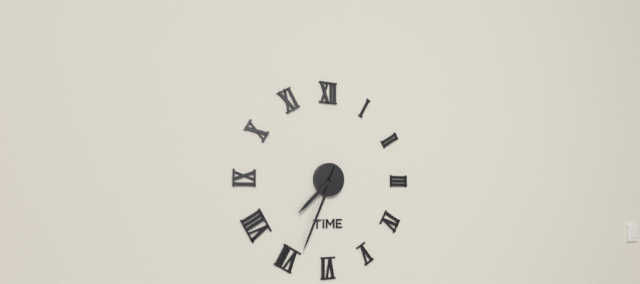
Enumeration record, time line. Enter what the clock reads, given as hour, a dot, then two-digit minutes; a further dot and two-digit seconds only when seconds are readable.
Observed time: 7.34
